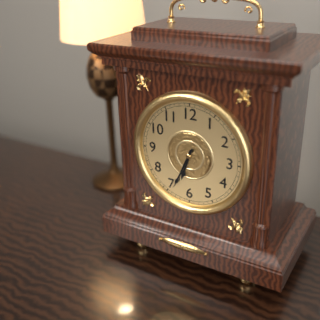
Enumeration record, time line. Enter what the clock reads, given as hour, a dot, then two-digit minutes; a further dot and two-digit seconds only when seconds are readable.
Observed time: 6.34
